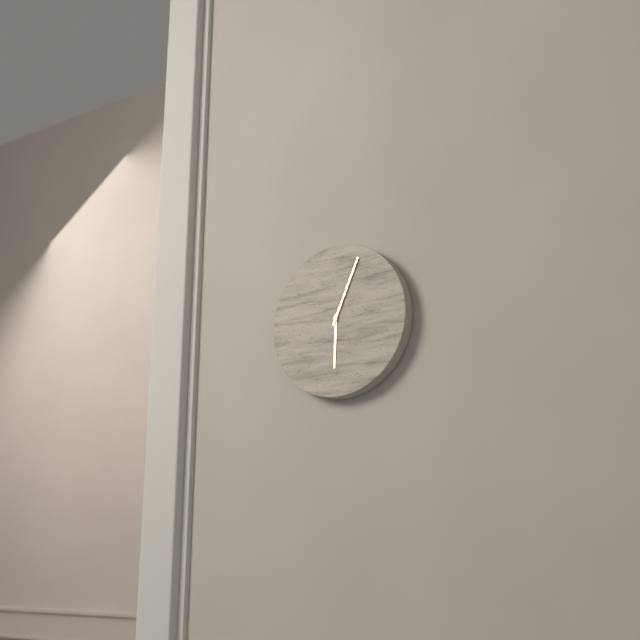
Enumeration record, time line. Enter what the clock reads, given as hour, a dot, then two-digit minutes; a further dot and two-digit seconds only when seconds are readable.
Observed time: 6.04
